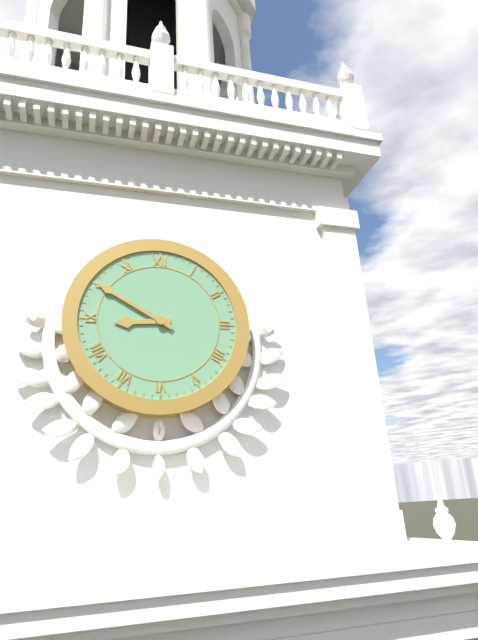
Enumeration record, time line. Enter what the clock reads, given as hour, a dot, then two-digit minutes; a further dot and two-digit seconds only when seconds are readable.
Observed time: 8.50
